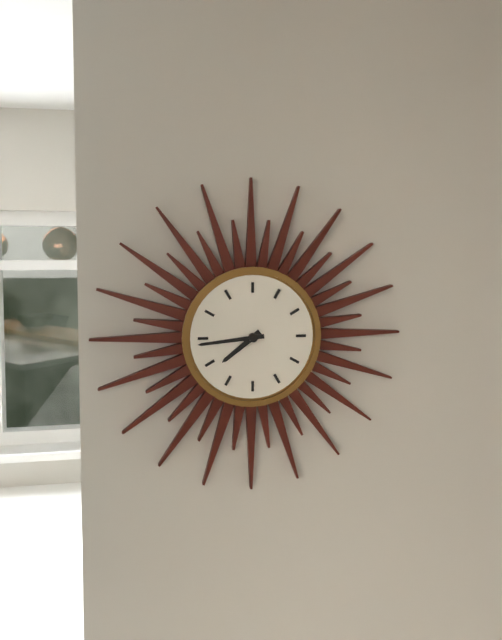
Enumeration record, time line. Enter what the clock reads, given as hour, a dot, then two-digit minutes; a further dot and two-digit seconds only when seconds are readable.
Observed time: 7.44
